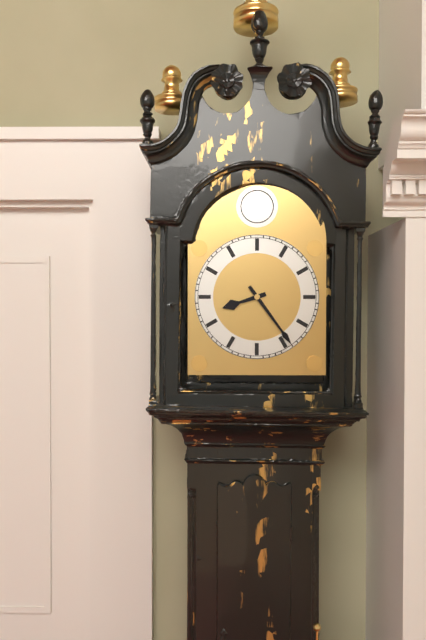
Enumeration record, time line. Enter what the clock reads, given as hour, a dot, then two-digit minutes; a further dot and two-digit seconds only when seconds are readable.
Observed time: 8.24
